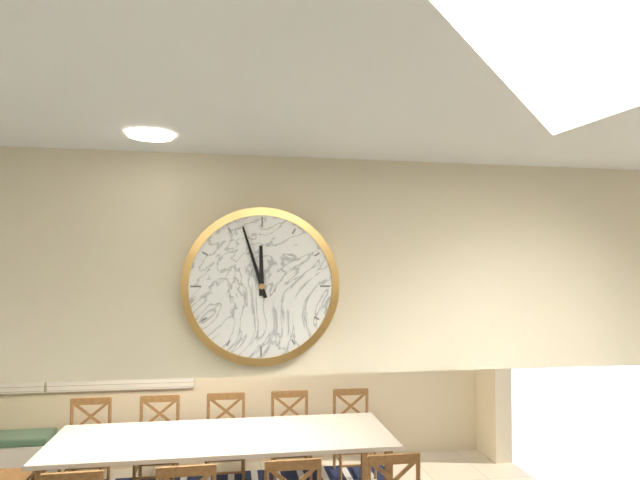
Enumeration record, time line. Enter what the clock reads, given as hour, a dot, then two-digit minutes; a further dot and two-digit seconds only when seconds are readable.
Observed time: 11.57
